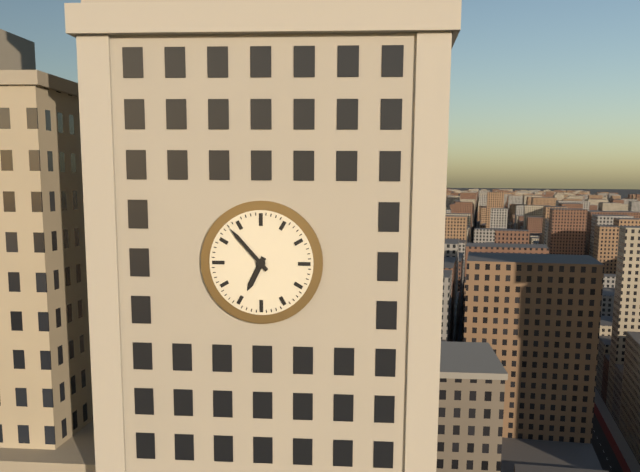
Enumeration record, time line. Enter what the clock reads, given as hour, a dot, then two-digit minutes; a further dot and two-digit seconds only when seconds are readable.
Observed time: 6.53
